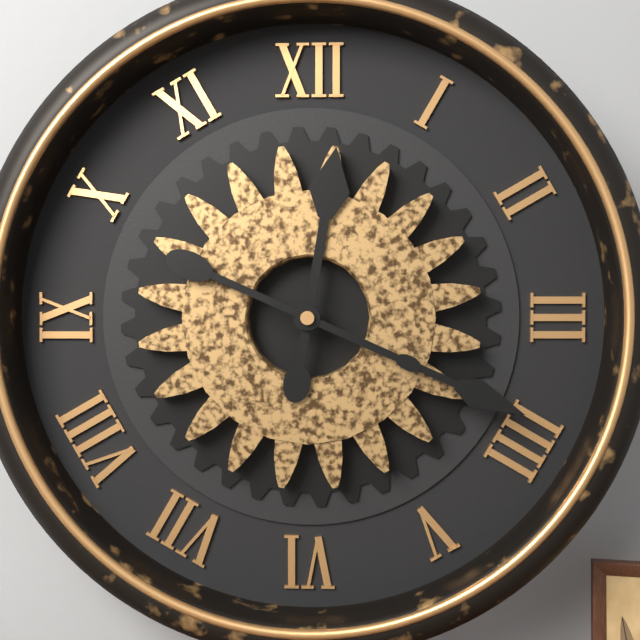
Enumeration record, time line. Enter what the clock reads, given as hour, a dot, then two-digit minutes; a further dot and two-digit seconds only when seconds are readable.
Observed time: 12.19
